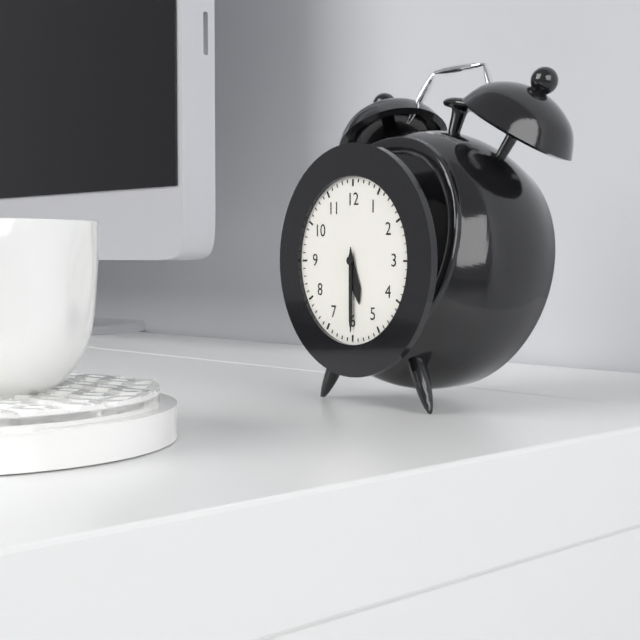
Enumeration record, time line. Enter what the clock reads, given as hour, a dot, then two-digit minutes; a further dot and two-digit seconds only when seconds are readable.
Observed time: 5.30
